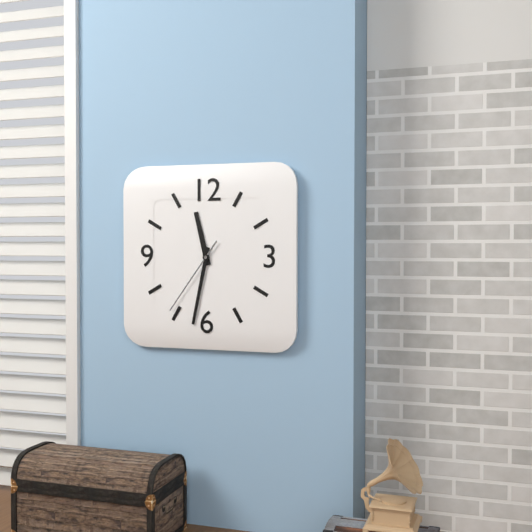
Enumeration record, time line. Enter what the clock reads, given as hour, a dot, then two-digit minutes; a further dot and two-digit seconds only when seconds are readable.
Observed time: 11.32.36
